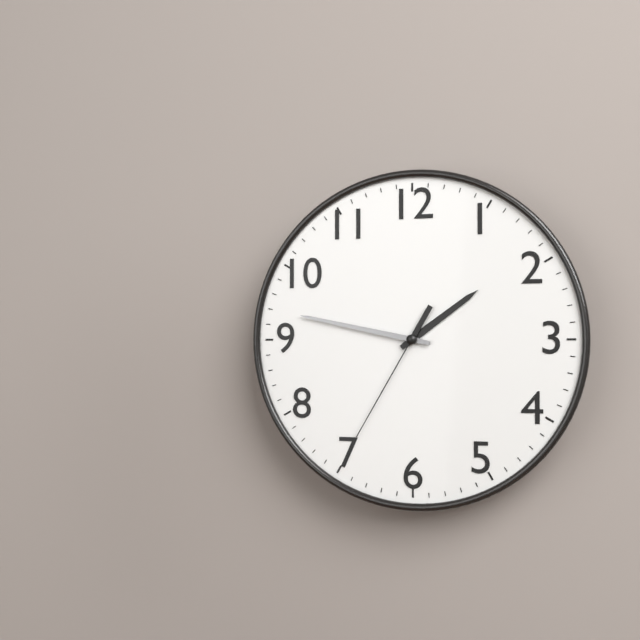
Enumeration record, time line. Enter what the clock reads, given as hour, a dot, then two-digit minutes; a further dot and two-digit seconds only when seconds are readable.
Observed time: 1.47.35
